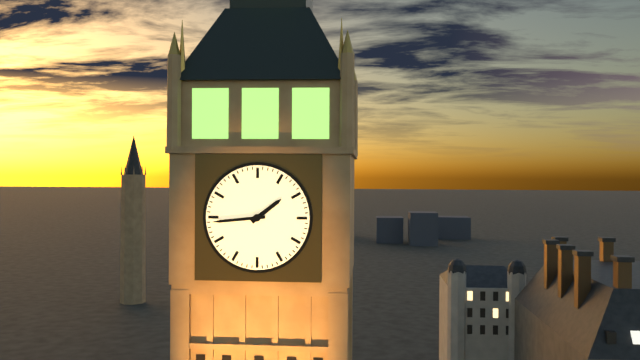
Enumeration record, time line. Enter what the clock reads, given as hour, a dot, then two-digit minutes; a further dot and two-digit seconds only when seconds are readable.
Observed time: 1.44
